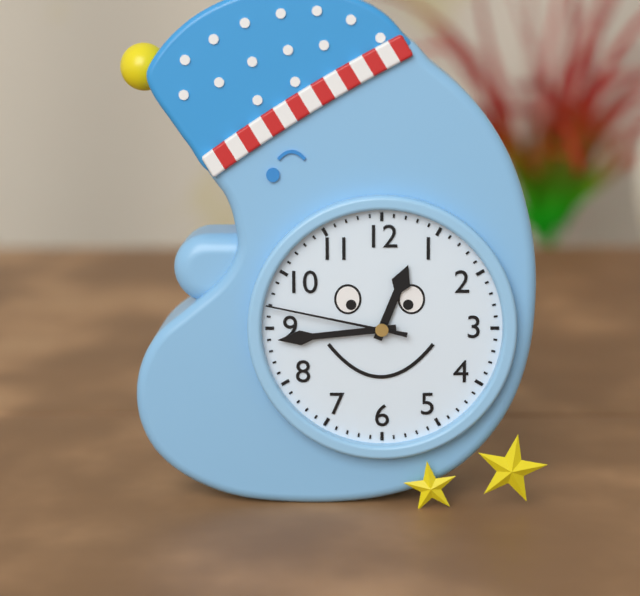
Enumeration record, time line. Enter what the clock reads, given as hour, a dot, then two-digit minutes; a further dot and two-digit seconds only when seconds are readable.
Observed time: 12.44.47
